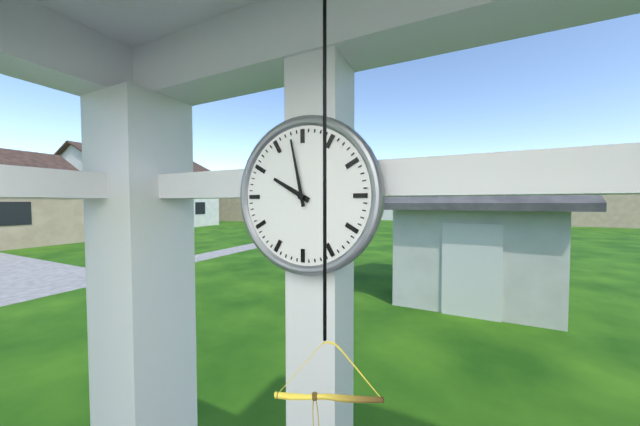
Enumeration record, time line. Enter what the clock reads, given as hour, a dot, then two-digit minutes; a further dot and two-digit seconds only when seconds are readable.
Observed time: 9.58
